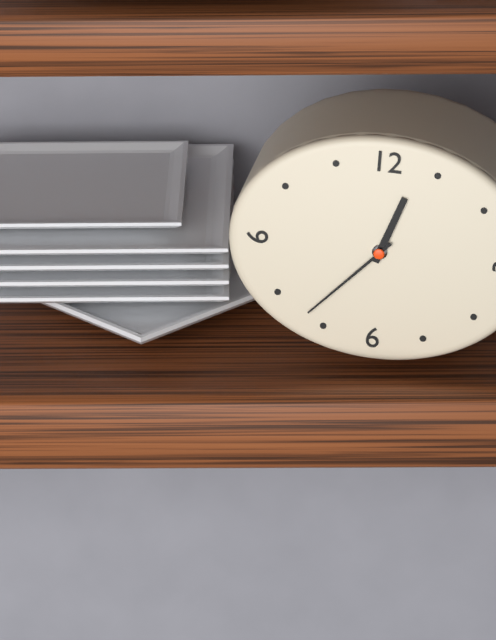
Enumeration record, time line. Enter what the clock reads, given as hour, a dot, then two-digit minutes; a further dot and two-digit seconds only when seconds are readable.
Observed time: 12.37
